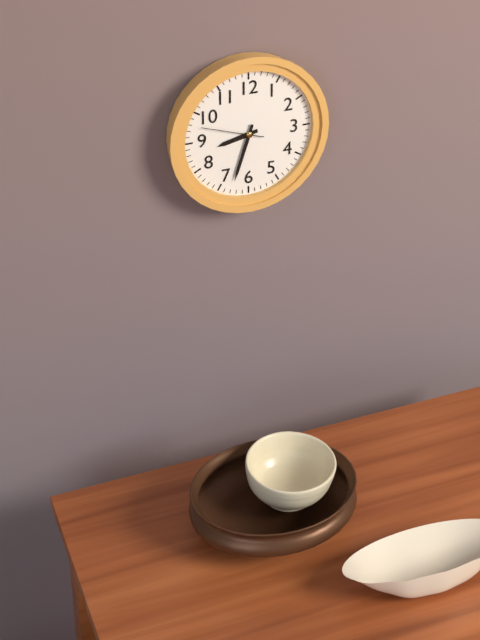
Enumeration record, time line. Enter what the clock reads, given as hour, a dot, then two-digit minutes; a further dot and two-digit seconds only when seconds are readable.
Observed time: 8.33.48
